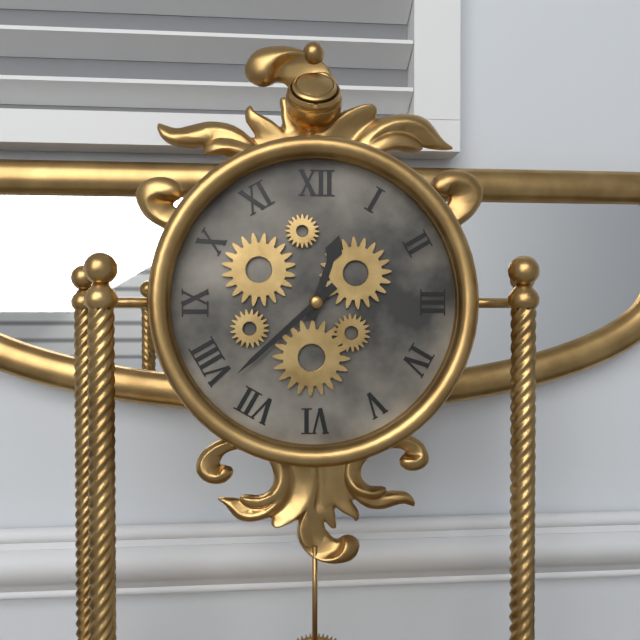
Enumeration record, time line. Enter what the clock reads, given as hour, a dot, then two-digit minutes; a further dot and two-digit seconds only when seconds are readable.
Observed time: 12.38
